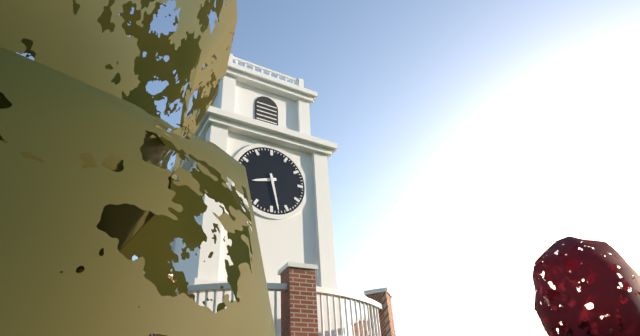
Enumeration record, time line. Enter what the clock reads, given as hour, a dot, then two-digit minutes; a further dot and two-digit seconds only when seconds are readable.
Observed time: 8.28
